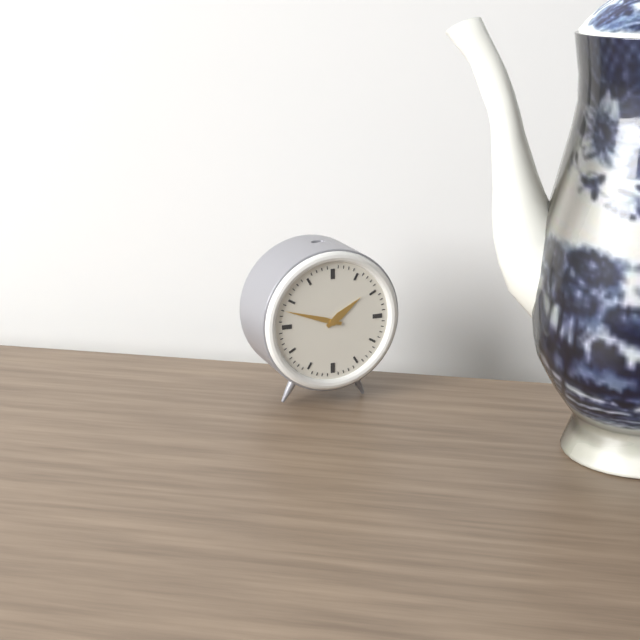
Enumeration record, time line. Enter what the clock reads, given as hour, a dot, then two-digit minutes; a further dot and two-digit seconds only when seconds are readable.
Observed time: 1.48
